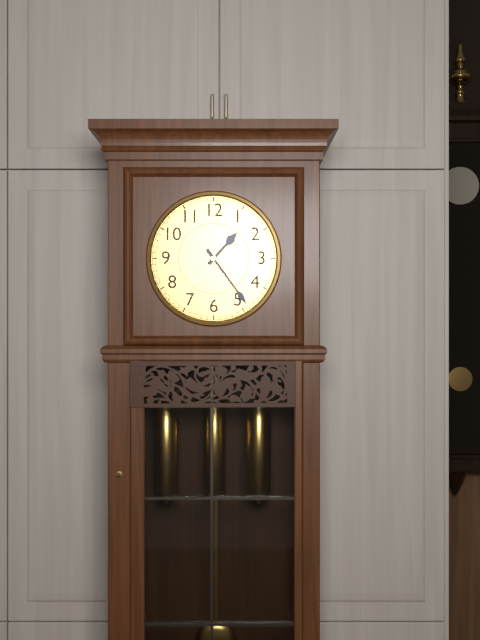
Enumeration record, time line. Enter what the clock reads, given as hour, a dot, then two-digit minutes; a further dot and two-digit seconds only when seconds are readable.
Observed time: 1.24
